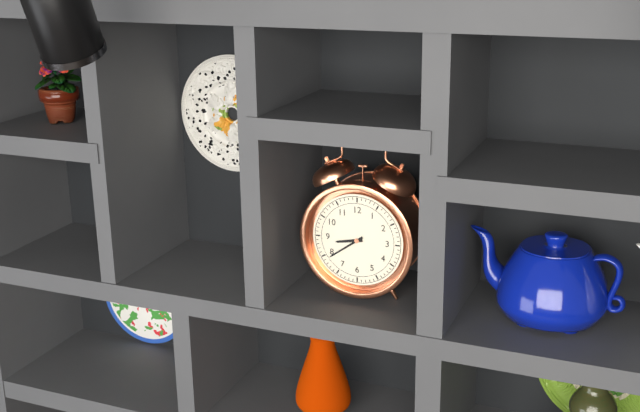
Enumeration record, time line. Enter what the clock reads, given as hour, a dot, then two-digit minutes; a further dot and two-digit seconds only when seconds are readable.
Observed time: 8.39
